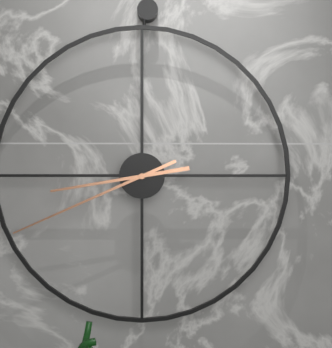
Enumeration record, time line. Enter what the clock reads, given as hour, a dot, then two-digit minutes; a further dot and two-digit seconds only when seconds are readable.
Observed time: 8.41
